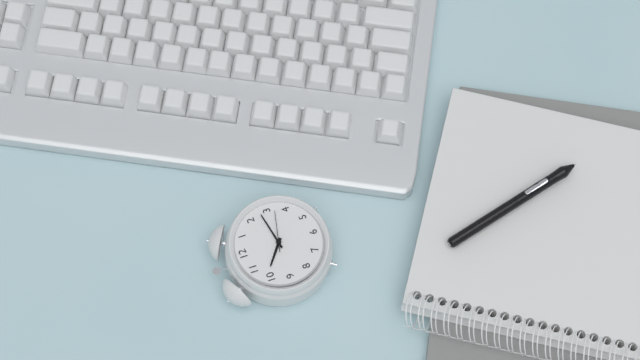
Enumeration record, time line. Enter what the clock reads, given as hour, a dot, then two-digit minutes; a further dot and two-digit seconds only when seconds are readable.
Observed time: 10.13
